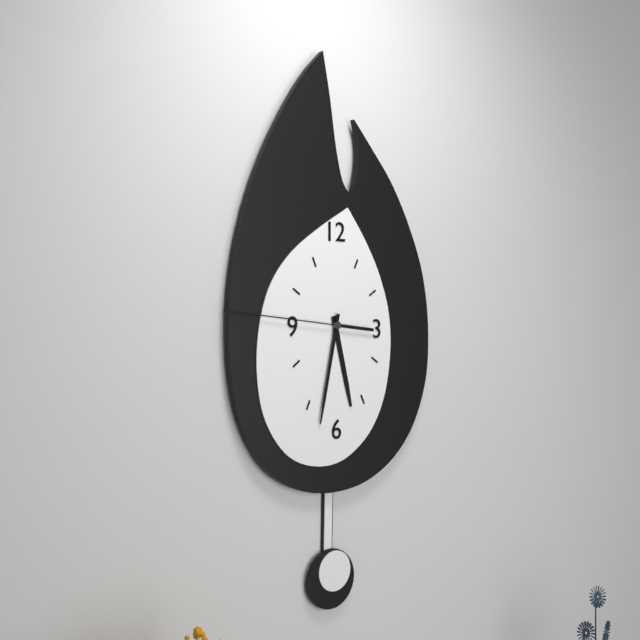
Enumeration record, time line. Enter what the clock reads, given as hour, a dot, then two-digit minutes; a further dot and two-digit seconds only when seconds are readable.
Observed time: 5.32.46
